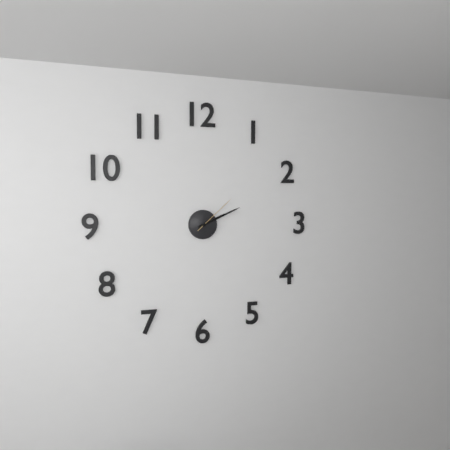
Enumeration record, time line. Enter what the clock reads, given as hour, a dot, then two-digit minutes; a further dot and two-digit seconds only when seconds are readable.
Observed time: 2.11
